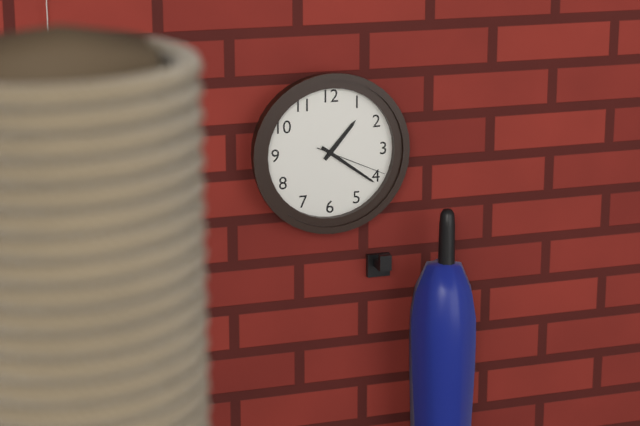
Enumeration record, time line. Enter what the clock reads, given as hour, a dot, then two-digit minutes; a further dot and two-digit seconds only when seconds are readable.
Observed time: 1.21.19
